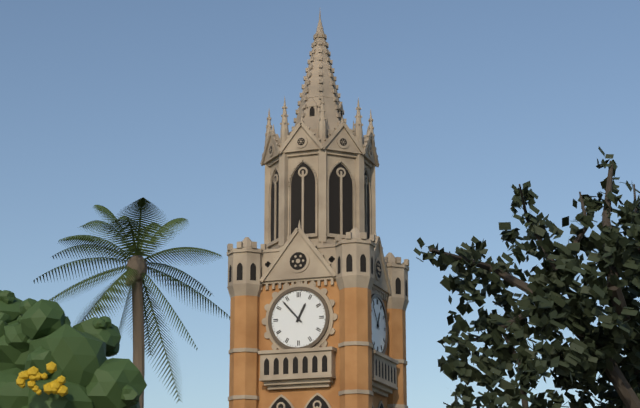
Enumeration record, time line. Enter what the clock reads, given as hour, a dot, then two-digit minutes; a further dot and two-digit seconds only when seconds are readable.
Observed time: 12.53
